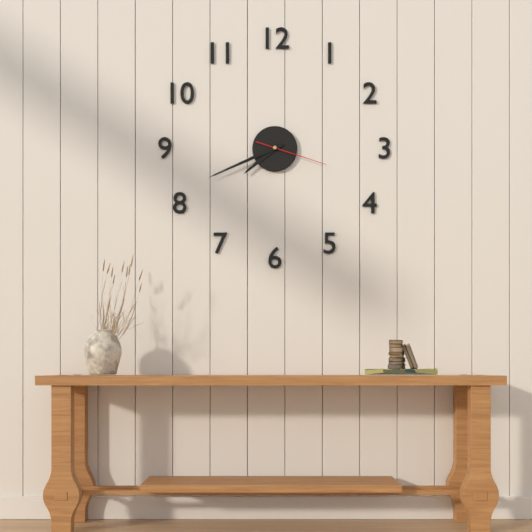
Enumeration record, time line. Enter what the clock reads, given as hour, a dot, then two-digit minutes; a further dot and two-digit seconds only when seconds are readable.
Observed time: 7.41.18
